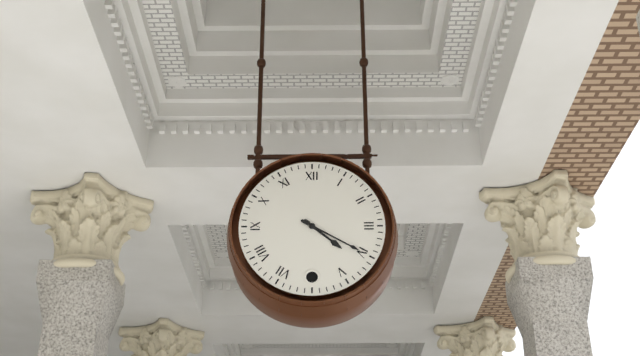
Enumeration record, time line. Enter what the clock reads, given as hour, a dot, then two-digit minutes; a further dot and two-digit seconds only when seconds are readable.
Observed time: 4.20
